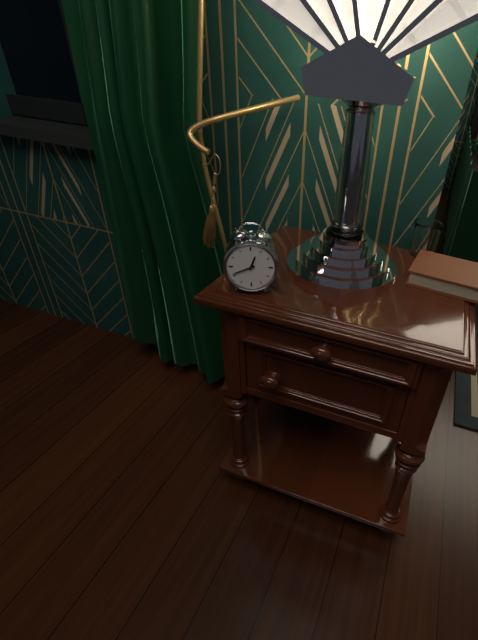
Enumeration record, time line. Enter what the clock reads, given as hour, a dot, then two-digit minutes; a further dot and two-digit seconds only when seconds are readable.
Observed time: 12.41
